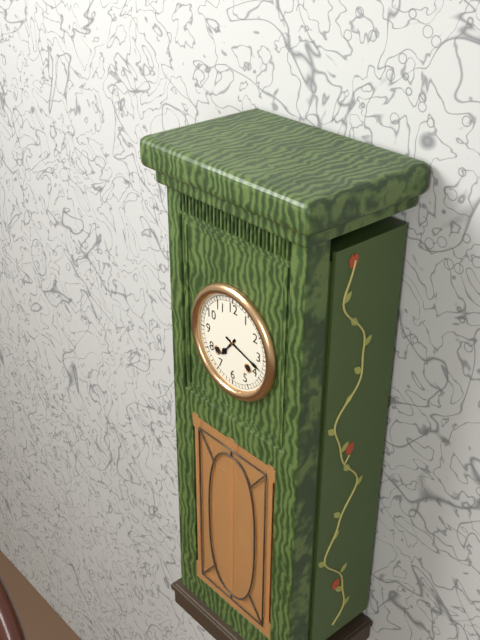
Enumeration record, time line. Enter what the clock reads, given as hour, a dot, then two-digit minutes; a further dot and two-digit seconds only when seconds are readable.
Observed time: 7.18
